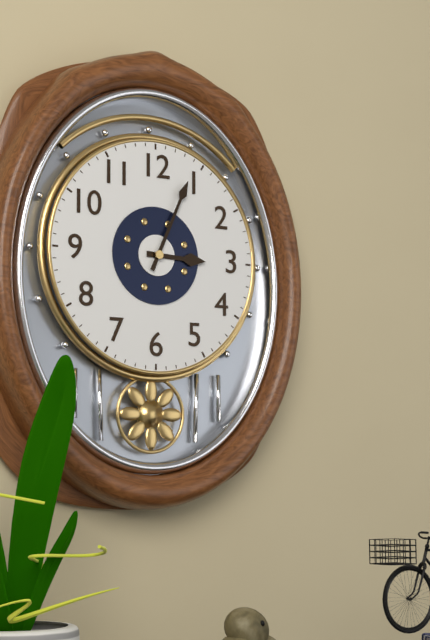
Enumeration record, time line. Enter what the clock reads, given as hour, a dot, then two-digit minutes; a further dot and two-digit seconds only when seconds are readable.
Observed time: 3.04
